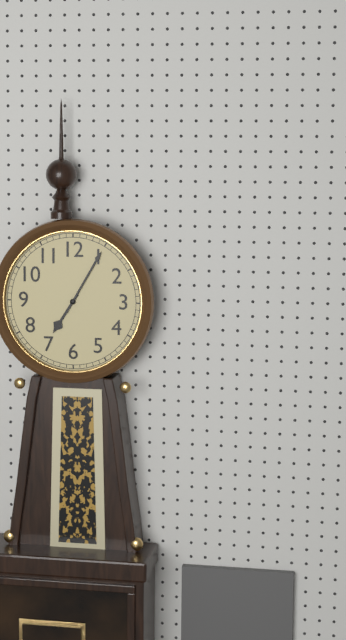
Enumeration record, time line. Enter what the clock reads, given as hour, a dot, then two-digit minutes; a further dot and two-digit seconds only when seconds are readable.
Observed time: 7.05
